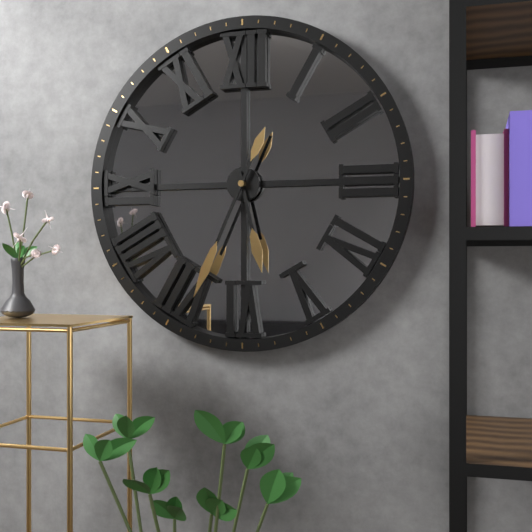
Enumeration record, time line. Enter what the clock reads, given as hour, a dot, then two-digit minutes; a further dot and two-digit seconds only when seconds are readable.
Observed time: 5.34
